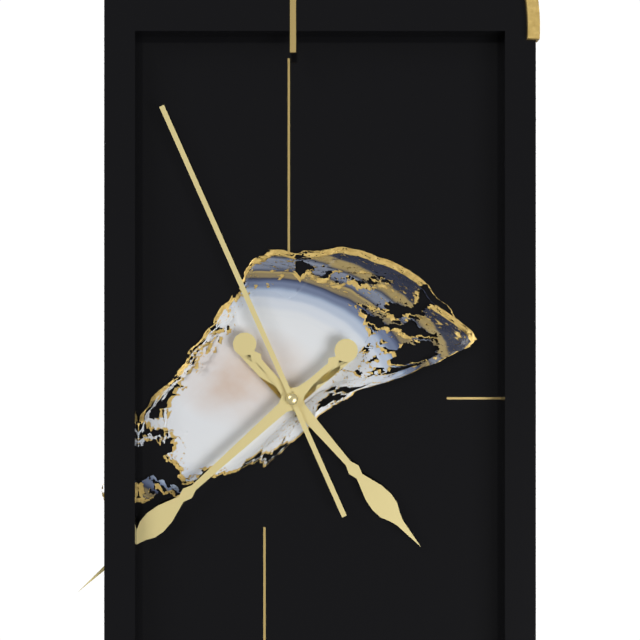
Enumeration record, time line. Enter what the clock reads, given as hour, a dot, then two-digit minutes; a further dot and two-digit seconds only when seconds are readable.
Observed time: 4.38.56
